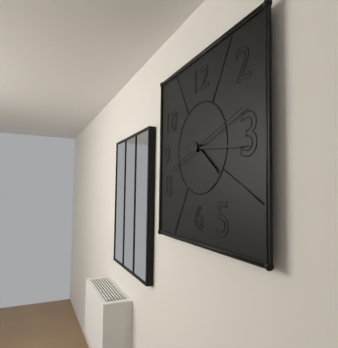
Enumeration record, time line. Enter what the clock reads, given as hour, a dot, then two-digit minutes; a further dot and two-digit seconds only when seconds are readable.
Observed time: 4.16.12
